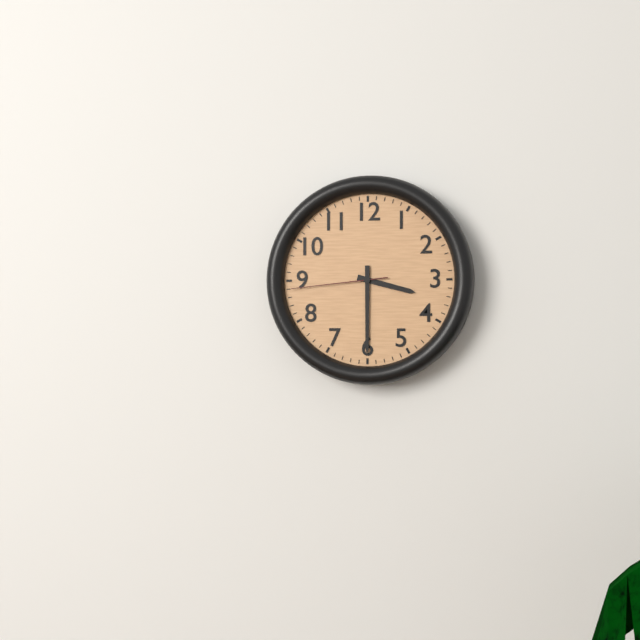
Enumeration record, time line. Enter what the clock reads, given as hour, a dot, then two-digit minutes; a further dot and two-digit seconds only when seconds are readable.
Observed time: 3.30.44
